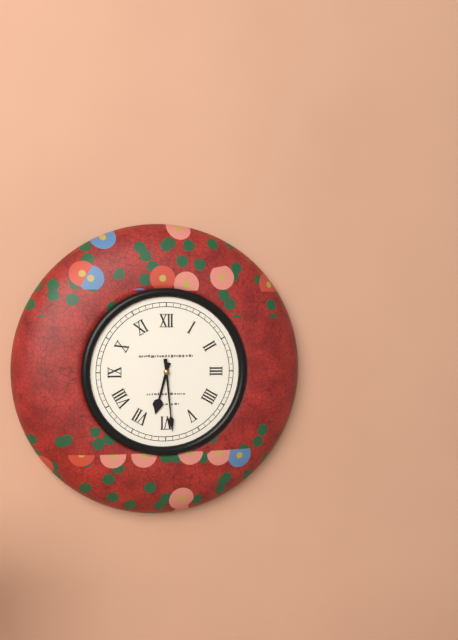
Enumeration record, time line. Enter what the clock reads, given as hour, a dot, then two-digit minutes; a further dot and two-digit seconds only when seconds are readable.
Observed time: 6.29
